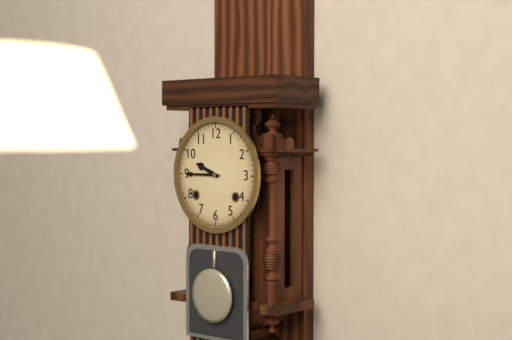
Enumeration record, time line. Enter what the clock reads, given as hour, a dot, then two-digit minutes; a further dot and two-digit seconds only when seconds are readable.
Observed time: 9.45
